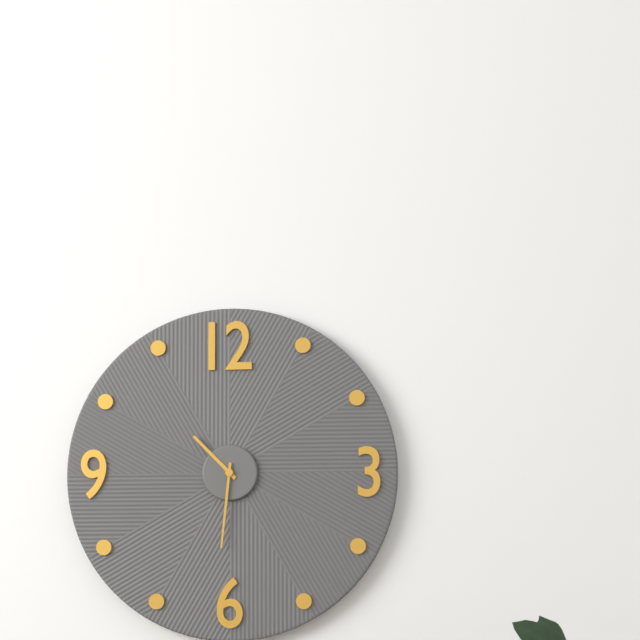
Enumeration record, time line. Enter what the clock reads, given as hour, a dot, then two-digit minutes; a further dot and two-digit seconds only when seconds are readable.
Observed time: 10.31
